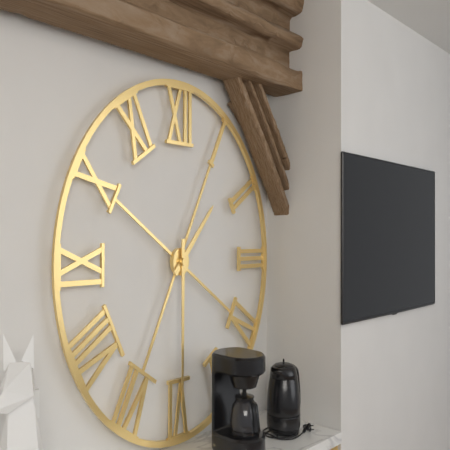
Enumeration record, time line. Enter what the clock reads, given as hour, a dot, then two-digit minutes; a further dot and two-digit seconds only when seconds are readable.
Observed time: 1.30
